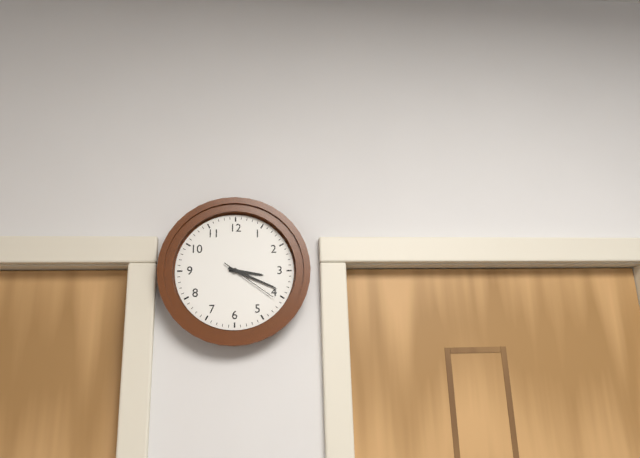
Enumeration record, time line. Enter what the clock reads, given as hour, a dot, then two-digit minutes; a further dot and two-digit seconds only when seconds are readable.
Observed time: 3.19.21
